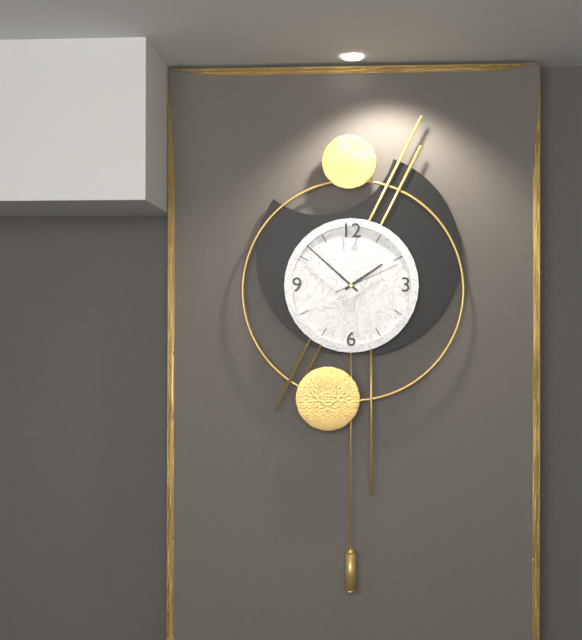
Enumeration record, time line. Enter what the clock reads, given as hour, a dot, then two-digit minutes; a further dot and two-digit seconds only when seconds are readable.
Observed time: 1.52.11
